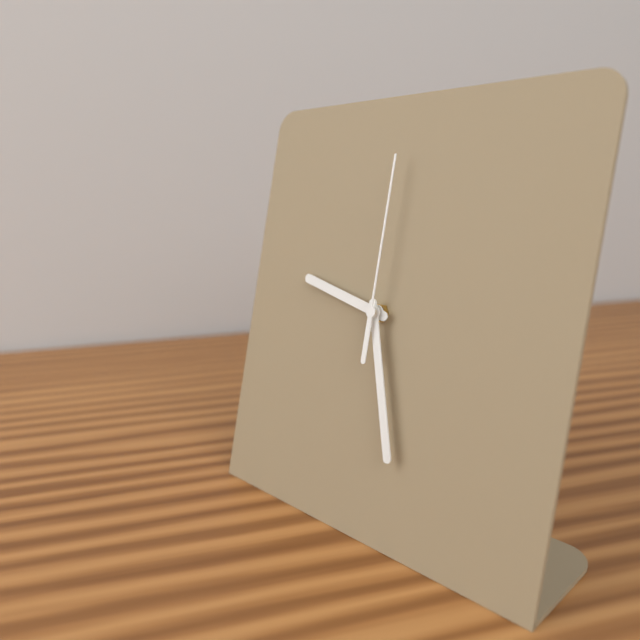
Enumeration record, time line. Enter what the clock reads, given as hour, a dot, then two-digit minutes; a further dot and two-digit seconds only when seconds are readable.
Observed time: 9.27.00
